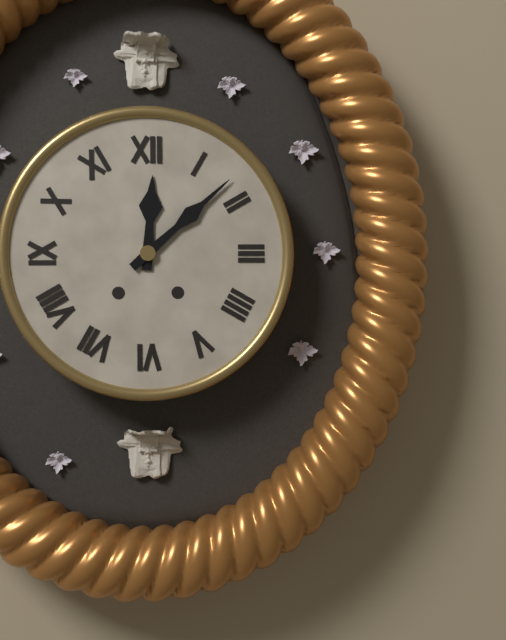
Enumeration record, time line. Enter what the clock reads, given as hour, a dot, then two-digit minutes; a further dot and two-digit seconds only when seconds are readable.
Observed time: 12.08
